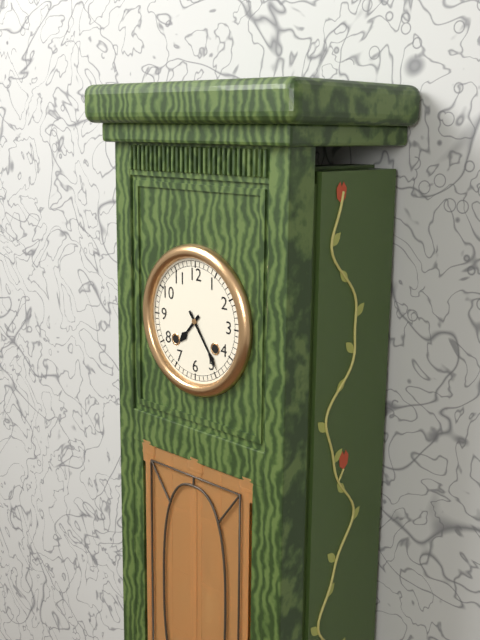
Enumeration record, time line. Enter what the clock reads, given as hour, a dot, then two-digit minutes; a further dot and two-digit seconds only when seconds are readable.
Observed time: 7.24
